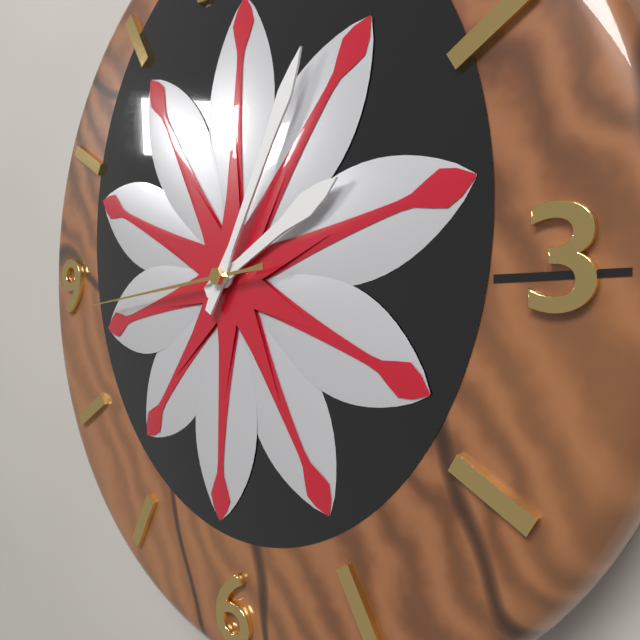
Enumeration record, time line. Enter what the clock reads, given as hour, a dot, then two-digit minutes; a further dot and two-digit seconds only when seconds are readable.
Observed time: 2.05.44
